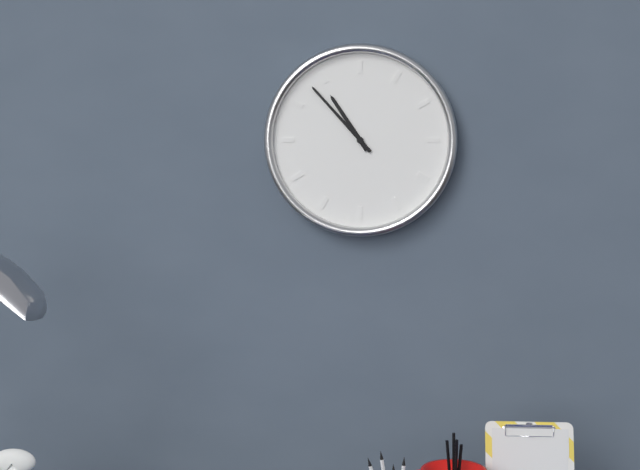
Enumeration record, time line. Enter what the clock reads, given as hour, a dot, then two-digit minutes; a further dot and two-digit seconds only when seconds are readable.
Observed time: 10.53
